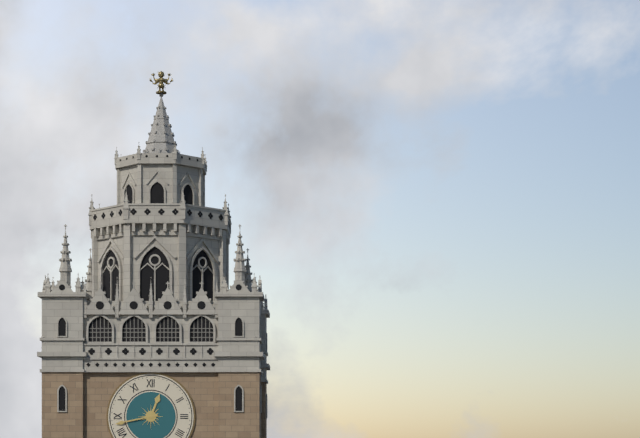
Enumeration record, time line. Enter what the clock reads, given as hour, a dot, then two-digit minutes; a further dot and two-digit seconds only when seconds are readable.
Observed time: 12.43
